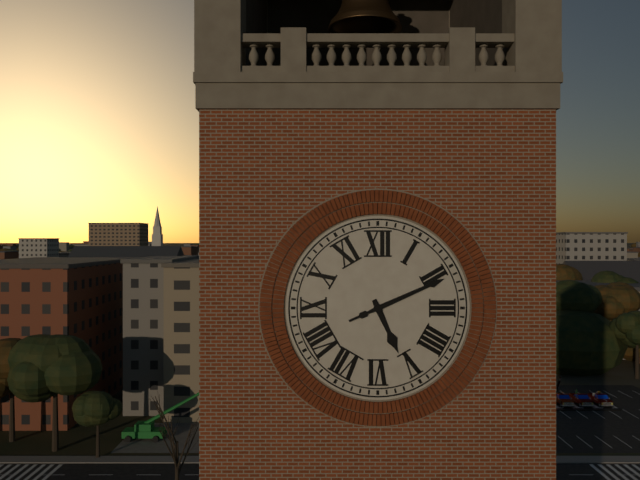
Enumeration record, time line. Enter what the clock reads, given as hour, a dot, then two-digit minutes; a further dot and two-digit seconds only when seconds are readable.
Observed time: 5.11
